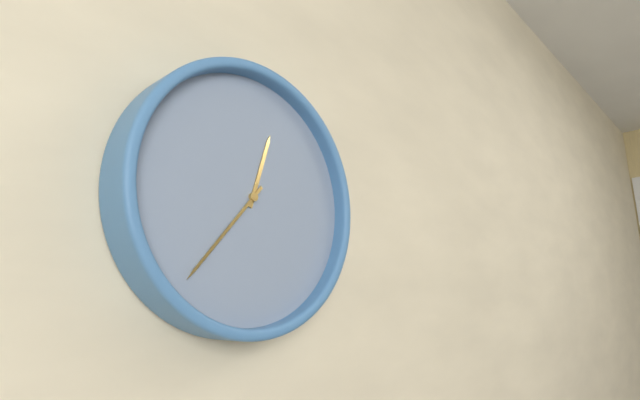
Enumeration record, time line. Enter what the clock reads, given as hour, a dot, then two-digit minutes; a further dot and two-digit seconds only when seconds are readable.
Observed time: 12.37
